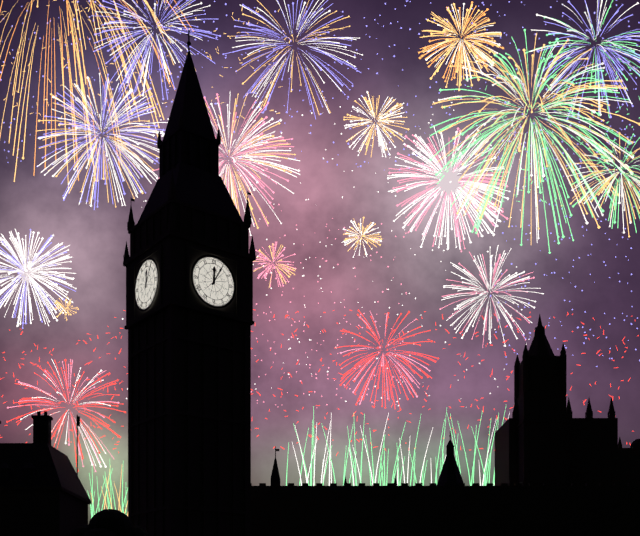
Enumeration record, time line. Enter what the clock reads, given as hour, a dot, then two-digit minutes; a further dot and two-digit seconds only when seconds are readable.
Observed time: 12.05
